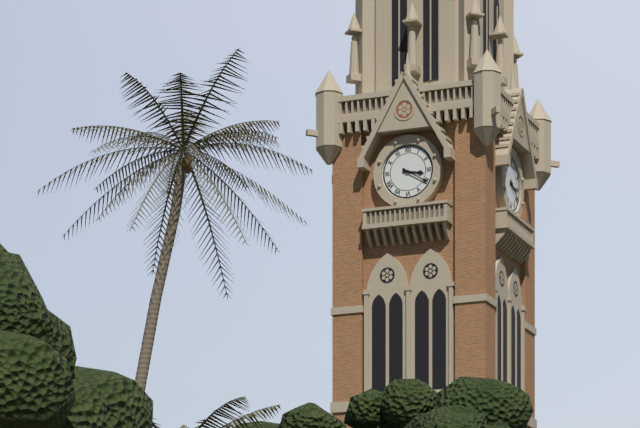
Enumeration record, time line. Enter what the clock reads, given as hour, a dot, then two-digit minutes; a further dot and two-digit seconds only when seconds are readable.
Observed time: 3.20
